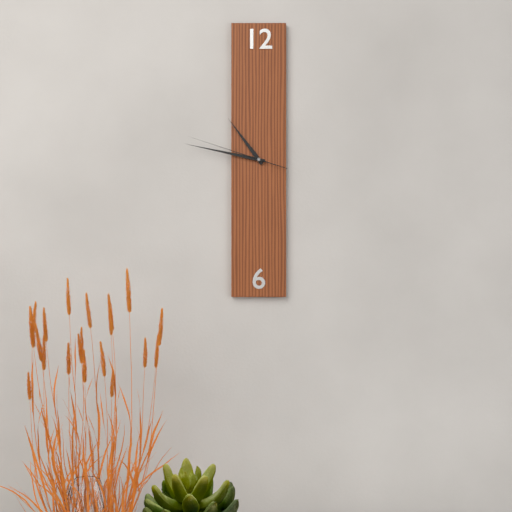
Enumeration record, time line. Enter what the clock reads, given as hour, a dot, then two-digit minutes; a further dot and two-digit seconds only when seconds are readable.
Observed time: 10.47.48
